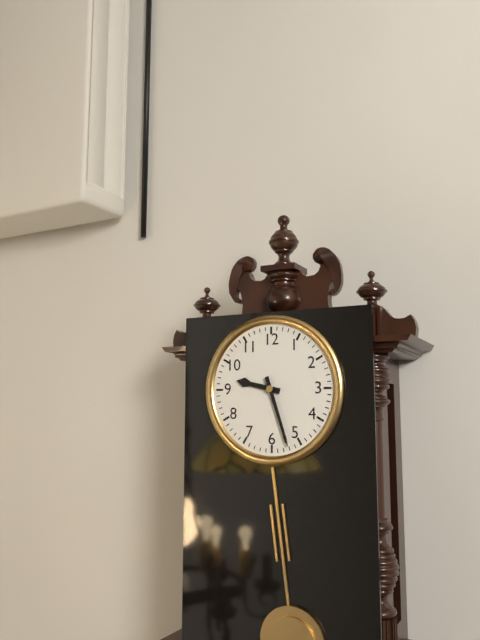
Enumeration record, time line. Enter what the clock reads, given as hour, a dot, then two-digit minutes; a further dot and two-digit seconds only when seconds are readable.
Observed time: 9.27
